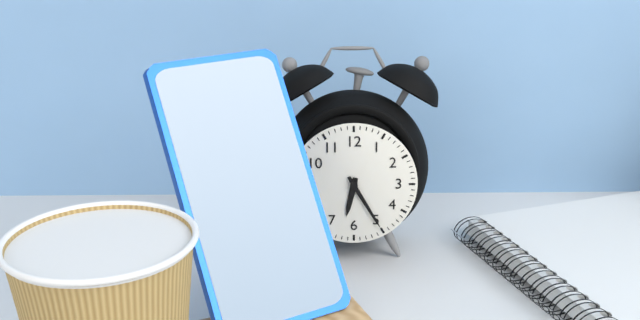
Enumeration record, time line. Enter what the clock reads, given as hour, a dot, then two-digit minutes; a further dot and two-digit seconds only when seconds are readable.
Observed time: 6.25
